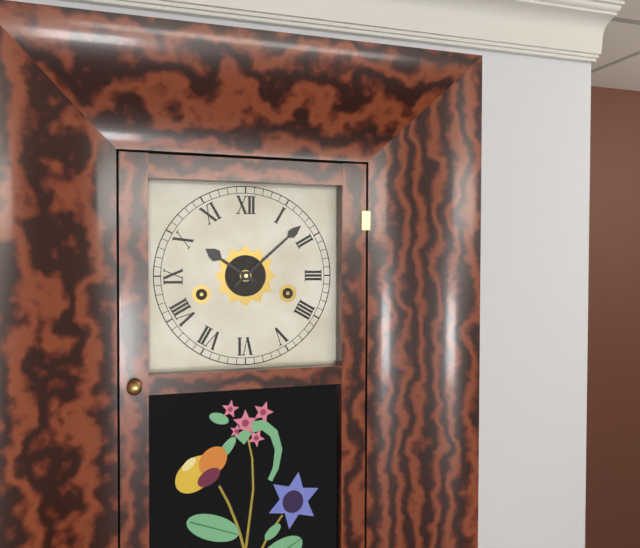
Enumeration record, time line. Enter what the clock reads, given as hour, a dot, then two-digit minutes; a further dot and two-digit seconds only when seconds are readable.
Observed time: 10.08
